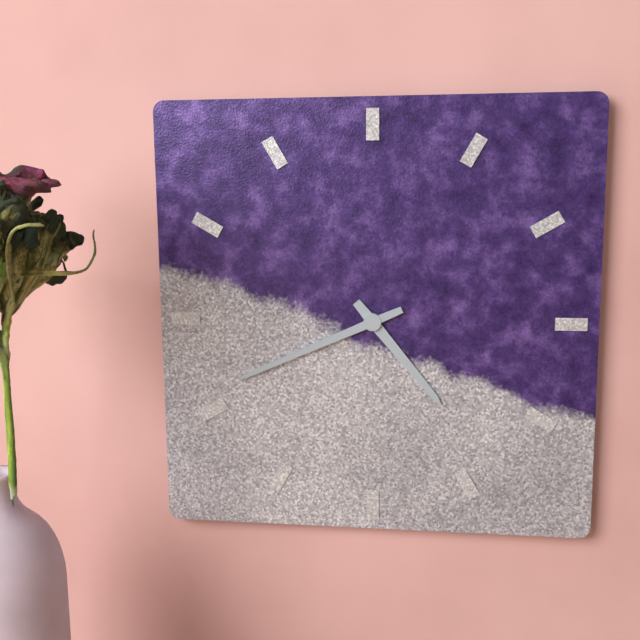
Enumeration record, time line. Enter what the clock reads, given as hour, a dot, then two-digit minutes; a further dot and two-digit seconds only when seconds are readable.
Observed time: 4.41
